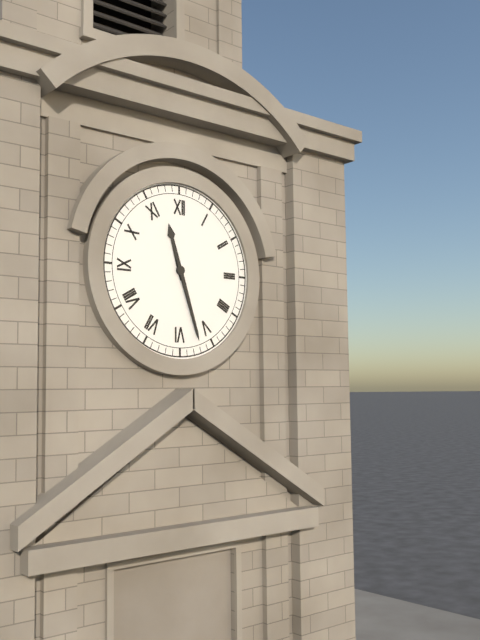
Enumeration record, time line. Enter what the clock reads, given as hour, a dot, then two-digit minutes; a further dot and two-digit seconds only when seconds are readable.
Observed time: 11.27
